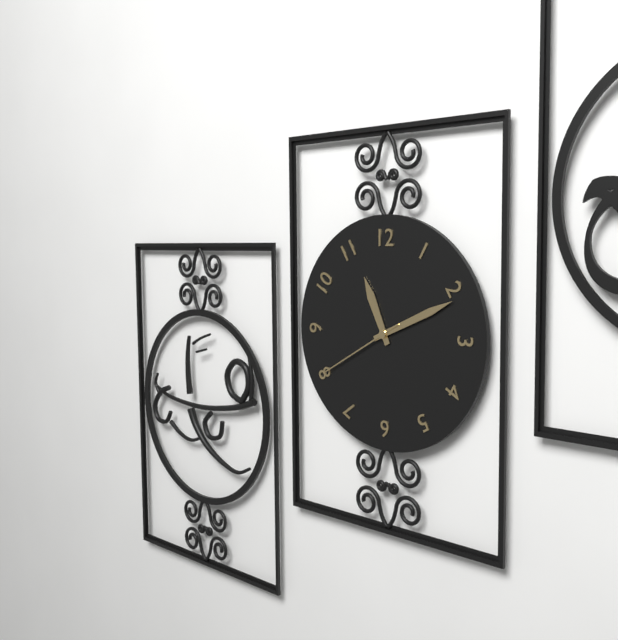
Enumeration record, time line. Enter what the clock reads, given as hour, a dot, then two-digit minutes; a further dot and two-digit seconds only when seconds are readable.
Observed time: 11.11.40
